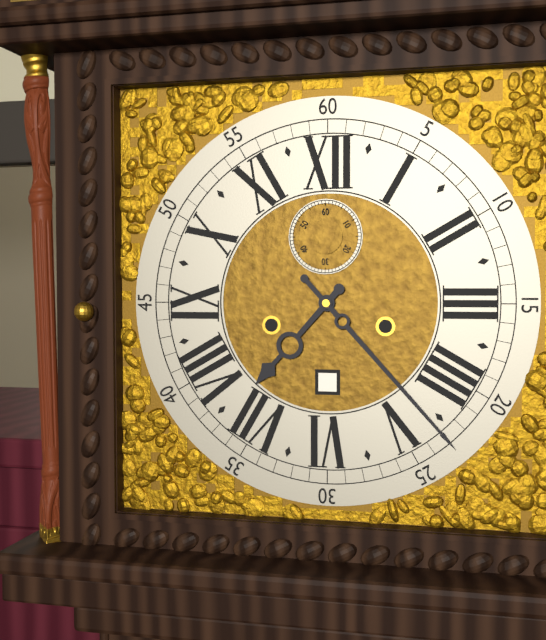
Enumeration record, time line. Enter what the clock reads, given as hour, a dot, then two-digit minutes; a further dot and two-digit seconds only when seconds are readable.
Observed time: 7.23
